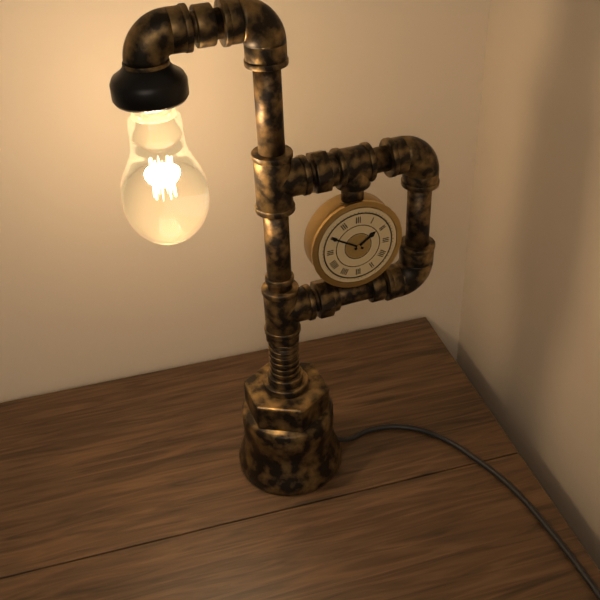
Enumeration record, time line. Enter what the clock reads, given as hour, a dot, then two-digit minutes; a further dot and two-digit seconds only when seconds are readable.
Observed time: 1.50
